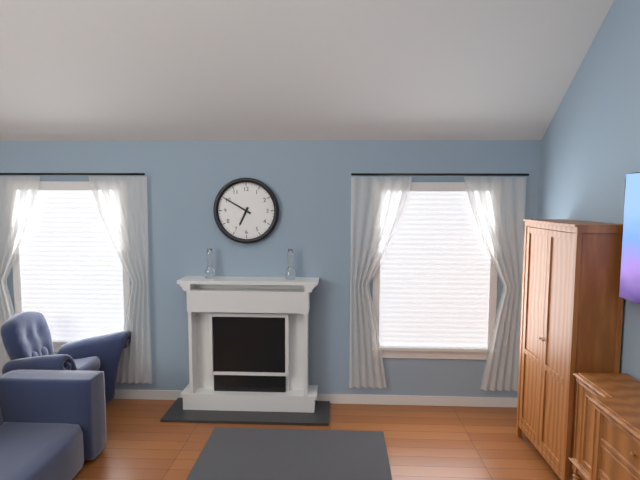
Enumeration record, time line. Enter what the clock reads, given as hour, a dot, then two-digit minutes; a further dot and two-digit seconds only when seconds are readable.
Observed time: 6.50
